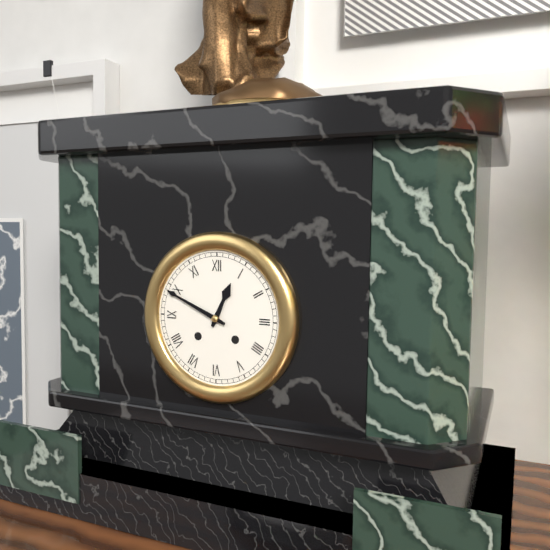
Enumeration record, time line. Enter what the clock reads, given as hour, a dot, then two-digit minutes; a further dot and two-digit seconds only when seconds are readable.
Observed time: 12.49
